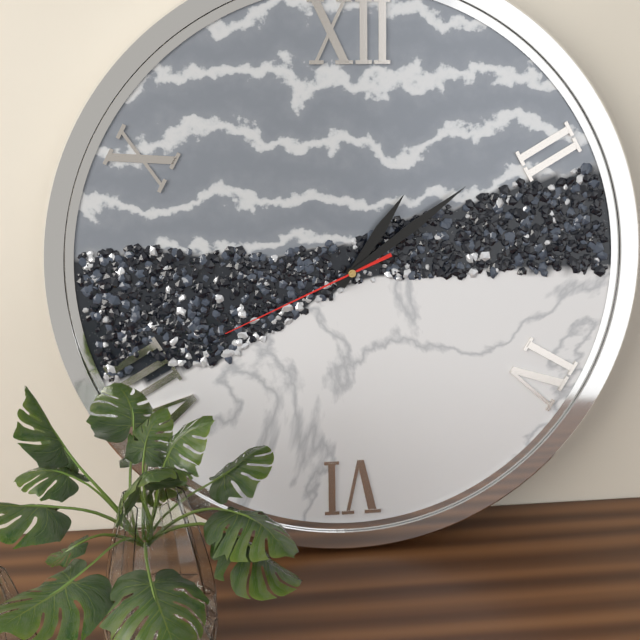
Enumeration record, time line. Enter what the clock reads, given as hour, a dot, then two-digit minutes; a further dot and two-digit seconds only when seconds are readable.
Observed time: 1.09.41
